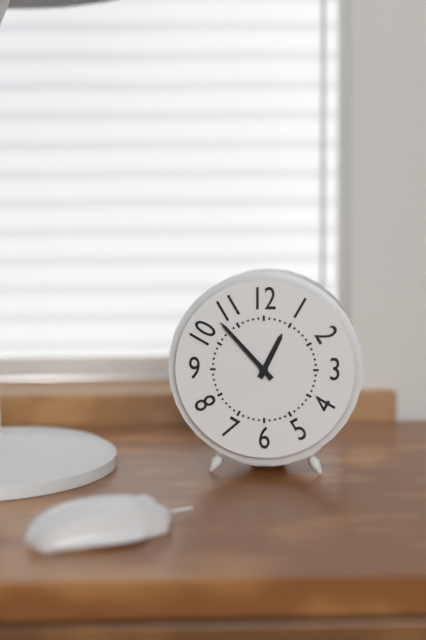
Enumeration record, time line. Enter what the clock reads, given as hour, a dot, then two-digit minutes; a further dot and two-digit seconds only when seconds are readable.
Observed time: 12.53
